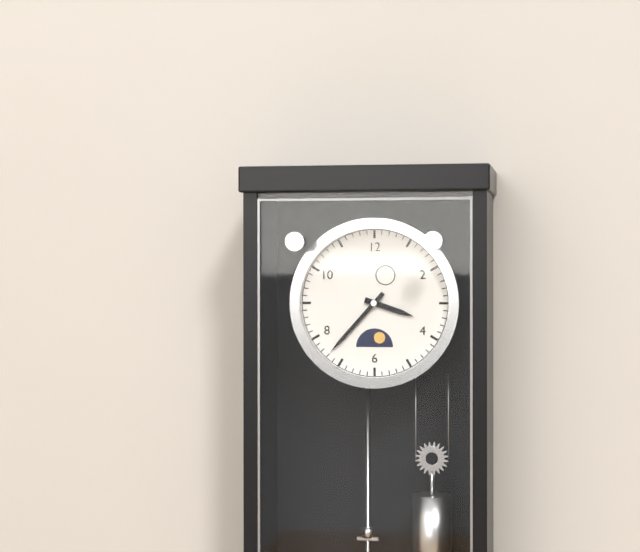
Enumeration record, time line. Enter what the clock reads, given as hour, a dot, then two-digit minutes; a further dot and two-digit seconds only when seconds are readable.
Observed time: 3.37
